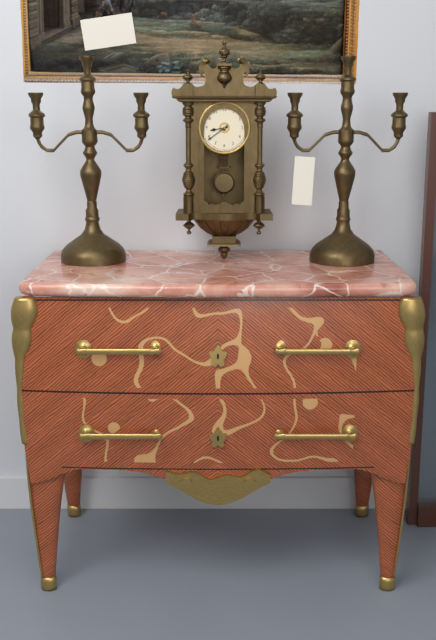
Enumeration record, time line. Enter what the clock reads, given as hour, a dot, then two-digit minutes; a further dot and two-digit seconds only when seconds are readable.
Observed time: 8.39
